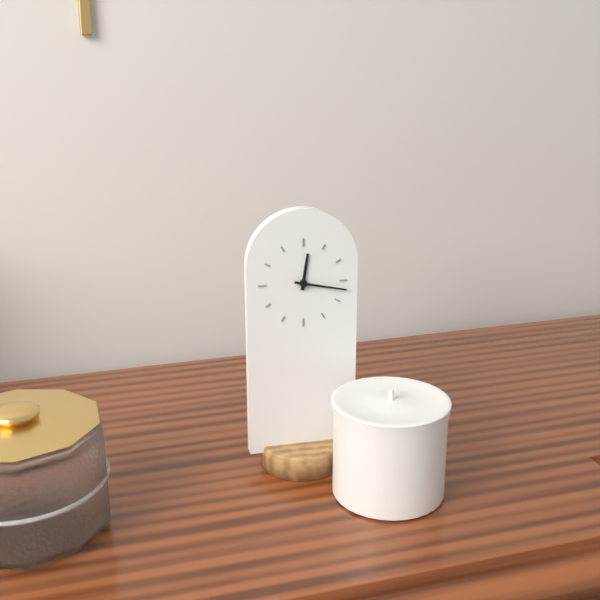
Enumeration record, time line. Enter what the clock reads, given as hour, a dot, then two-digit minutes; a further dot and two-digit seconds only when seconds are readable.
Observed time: 12.17
